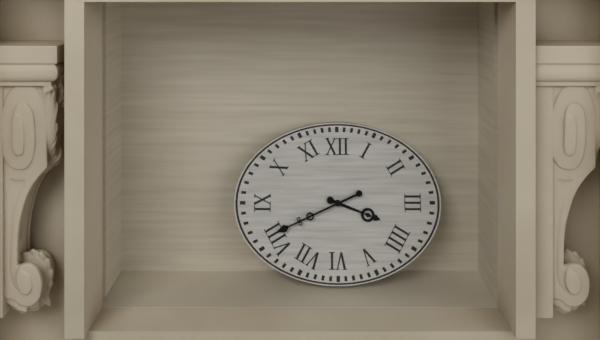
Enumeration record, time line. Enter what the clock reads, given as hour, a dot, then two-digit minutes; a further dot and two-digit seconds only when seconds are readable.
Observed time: 3.41
